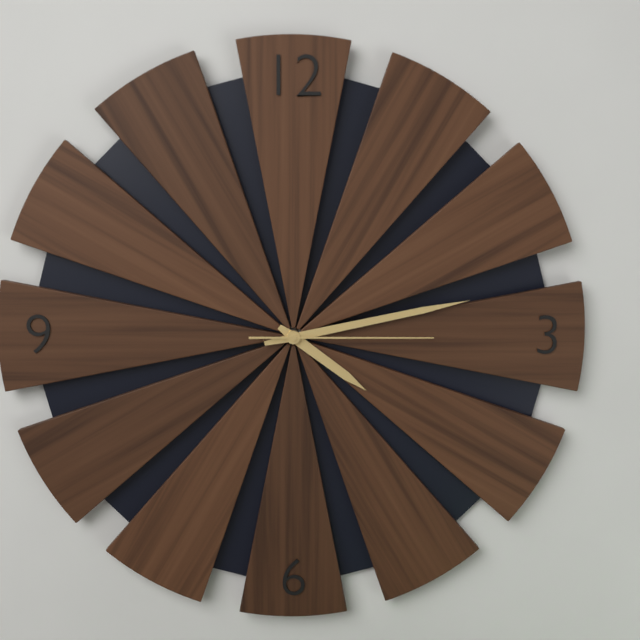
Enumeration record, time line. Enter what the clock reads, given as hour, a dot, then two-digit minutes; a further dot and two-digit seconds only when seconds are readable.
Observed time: 4.13.15
